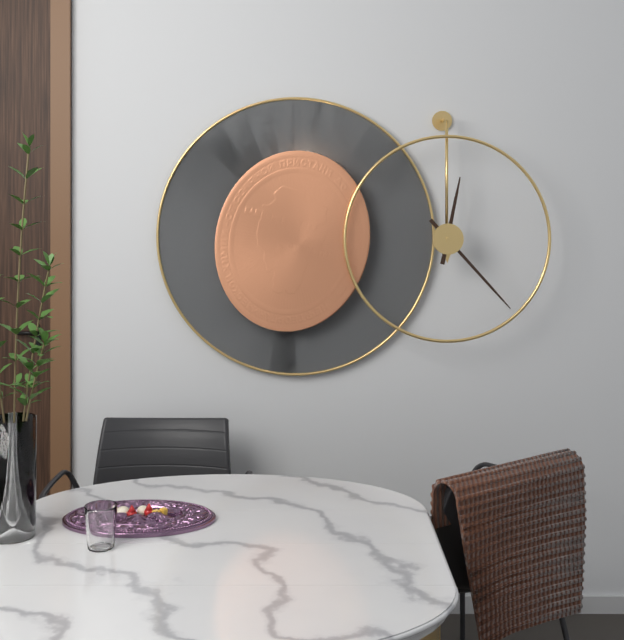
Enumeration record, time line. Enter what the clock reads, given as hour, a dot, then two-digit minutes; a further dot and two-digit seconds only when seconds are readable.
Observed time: 12.23
